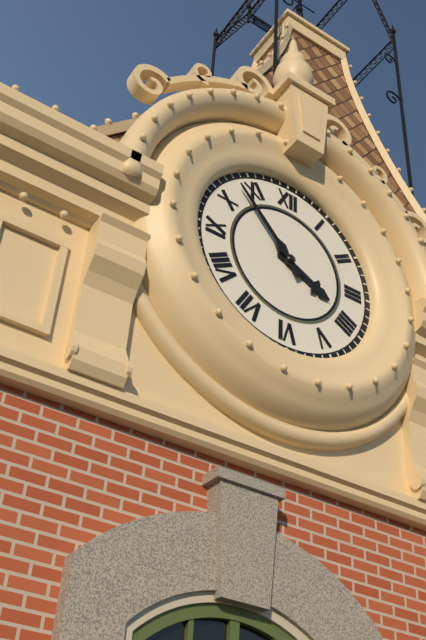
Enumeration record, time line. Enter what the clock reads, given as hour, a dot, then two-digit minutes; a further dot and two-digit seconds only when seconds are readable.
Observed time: 3.53
